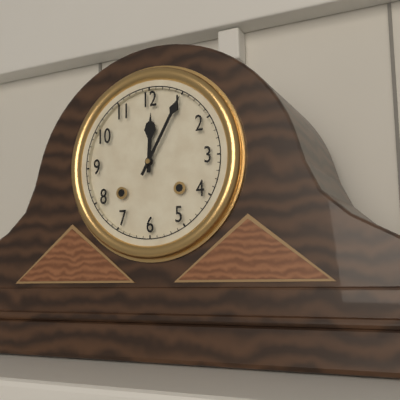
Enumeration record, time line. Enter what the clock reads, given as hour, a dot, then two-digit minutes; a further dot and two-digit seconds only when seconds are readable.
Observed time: 12.05
